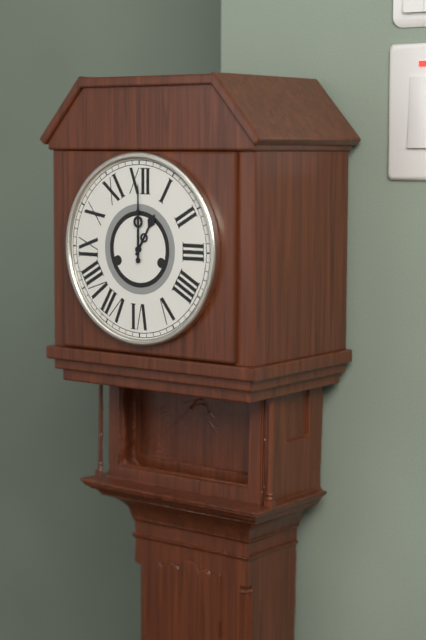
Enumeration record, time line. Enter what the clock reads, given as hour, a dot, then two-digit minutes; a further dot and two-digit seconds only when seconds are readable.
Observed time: 1.00
